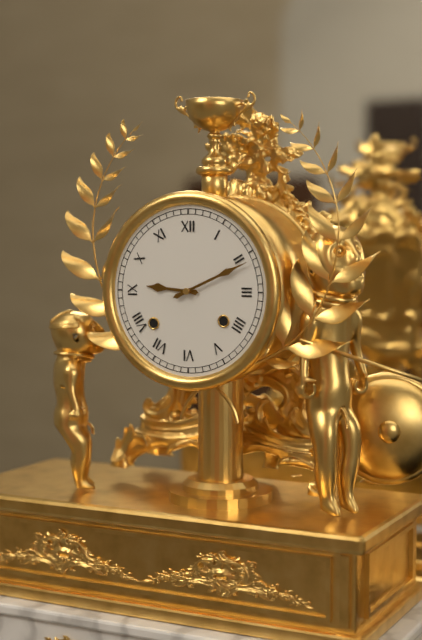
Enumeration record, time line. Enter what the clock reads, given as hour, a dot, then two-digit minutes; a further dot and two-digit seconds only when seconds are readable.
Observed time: 9.11
